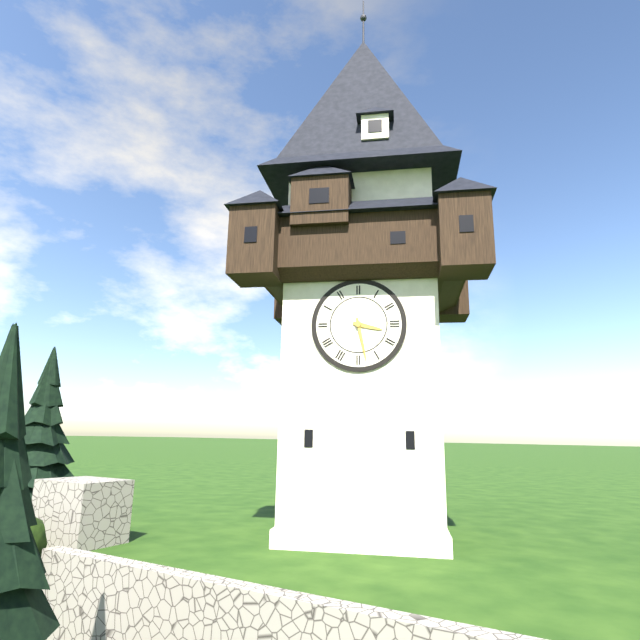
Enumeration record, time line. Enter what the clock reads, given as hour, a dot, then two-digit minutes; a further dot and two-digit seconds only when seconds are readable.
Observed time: 3.28
